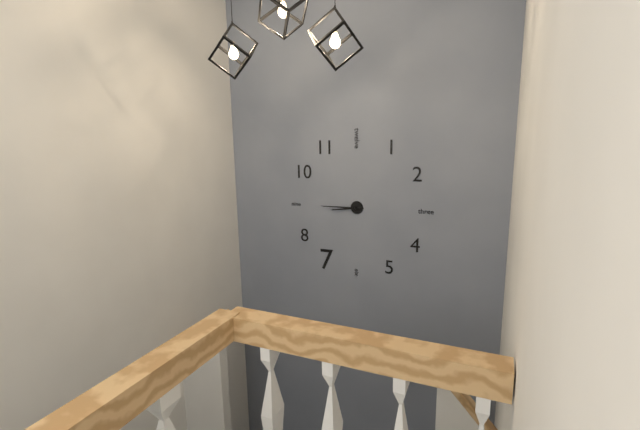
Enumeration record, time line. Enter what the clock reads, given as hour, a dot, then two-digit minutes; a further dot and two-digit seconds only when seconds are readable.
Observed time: 8.45
